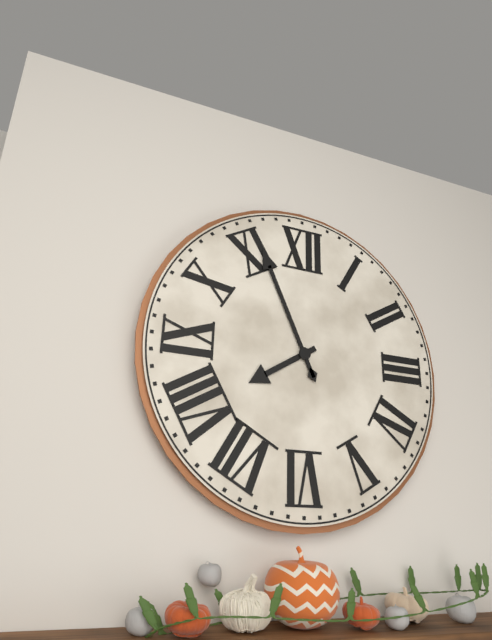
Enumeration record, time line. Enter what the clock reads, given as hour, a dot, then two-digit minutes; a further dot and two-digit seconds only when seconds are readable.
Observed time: 7.56
